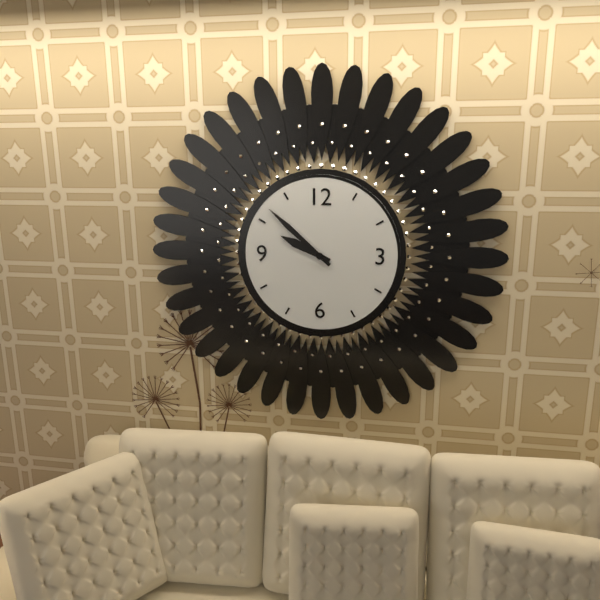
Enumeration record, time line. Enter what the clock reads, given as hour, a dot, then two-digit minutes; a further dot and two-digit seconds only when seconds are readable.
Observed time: 9.52
